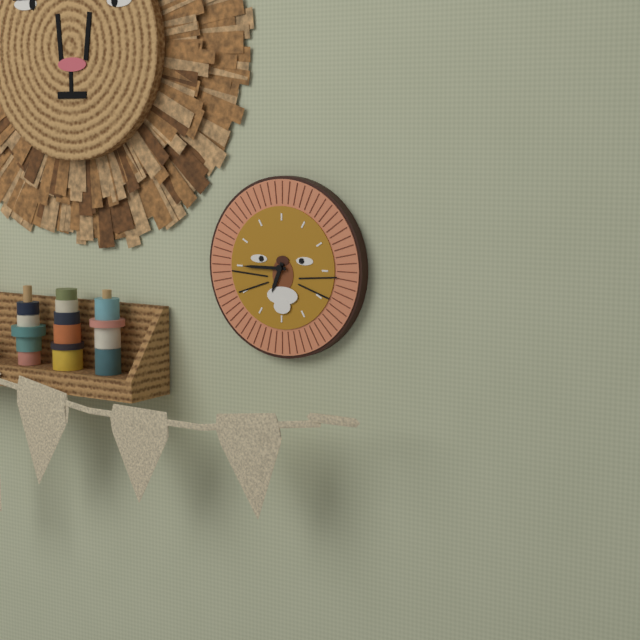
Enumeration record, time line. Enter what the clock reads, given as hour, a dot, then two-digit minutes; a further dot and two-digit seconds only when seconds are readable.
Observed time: 6.45
